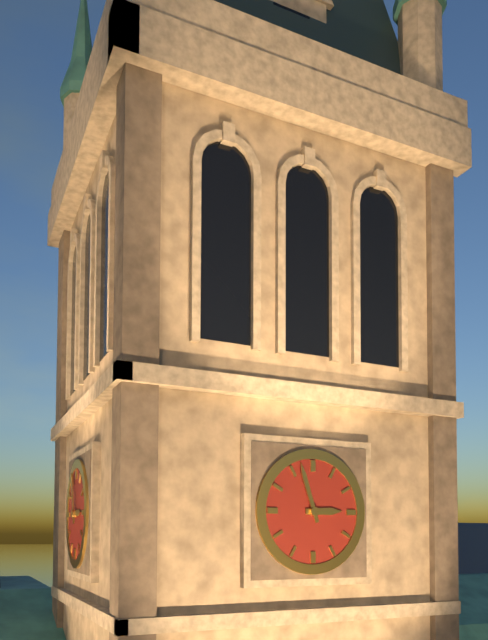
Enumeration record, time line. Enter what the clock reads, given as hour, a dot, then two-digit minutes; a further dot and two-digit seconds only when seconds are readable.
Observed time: 2.57
